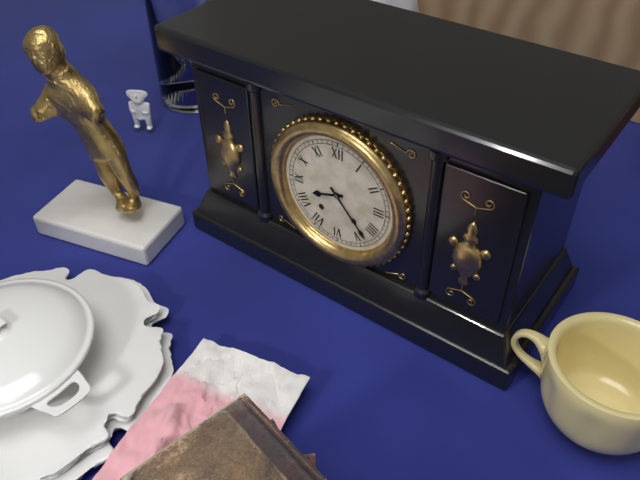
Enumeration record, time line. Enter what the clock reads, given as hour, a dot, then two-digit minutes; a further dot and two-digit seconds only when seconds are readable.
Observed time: 8.23
